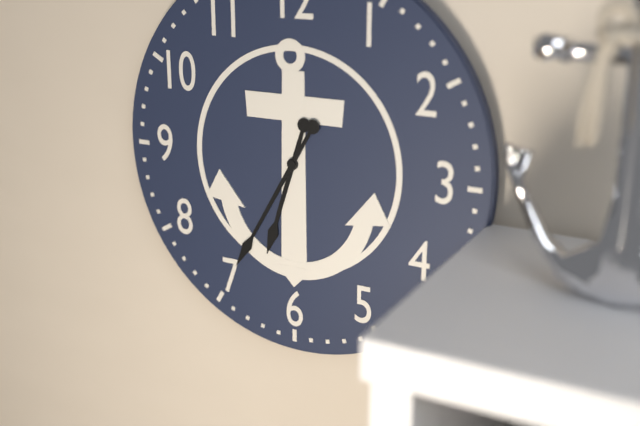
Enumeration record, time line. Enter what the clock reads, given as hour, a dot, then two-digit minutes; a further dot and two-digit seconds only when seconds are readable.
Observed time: 6.35
